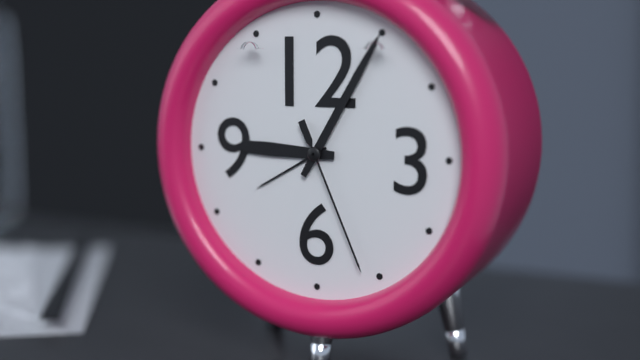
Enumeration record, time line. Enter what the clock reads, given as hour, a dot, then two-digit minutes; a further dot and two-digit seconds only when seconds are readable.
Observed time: 9.05.26
